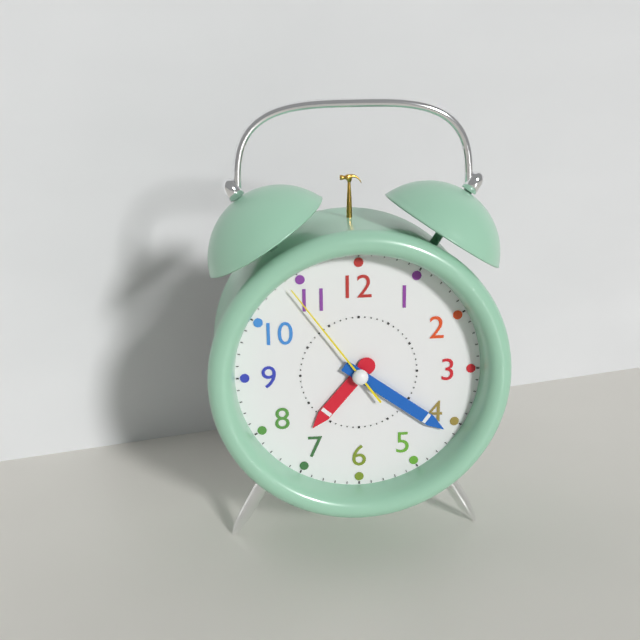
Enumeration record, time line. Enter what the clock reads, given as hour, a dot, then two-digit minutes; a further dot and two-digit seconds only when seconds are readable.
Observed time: 7.21.54
